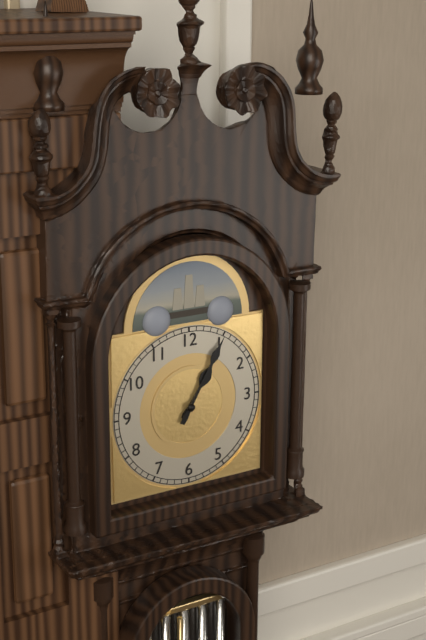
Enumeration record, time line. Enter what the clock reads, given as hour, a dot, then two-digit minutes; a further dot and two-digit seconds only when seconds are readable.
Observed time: 1.05
